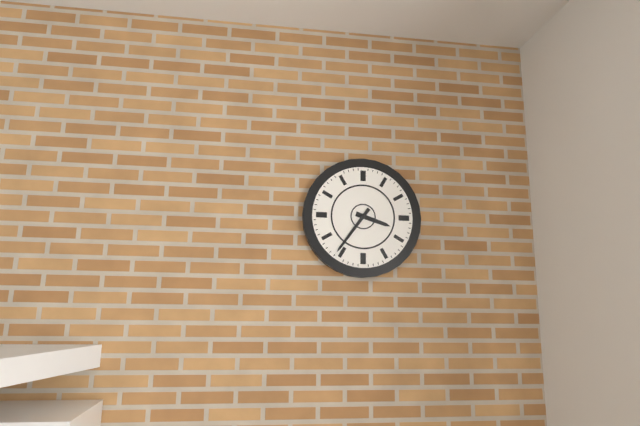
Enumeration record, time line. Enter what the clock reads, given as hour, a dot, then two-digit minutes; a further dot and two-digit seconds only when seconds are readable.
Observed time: 3.36
